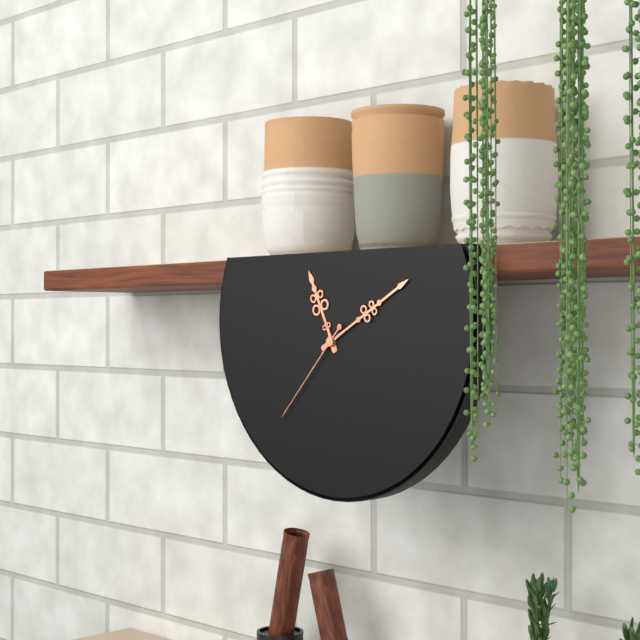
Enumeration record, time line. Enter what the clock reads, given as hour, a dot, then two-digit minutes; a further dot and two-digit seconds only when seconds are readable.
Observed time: 11.10.37
